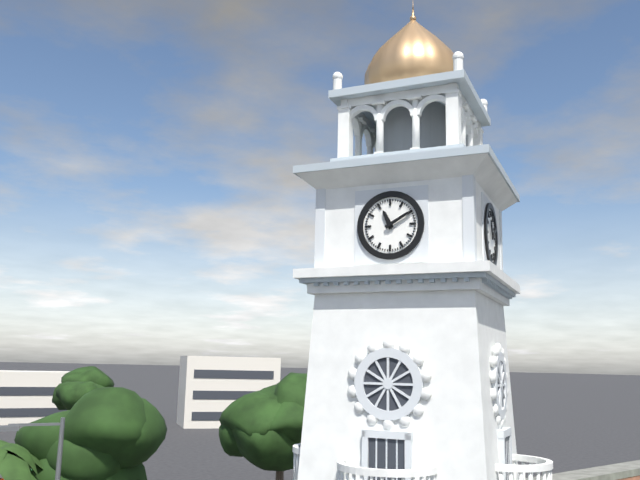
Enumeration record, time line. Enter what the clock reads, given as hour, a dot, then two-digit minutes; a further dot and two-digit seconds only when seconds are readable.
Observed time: 11.10
